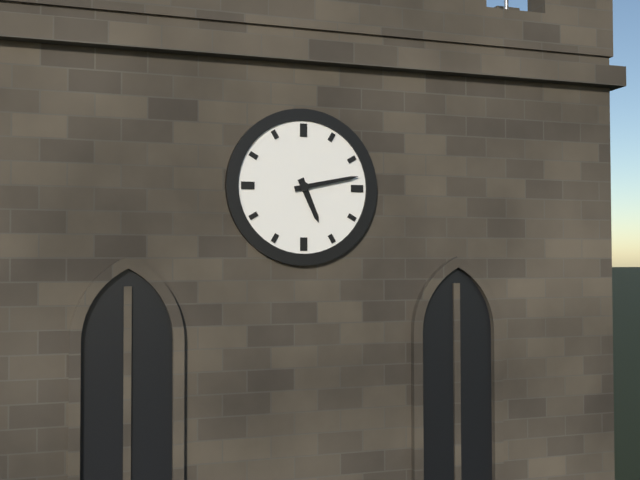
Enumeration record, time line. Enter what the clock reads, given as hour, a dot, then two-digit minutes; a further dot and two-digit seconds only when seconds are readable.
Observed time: 5.13
